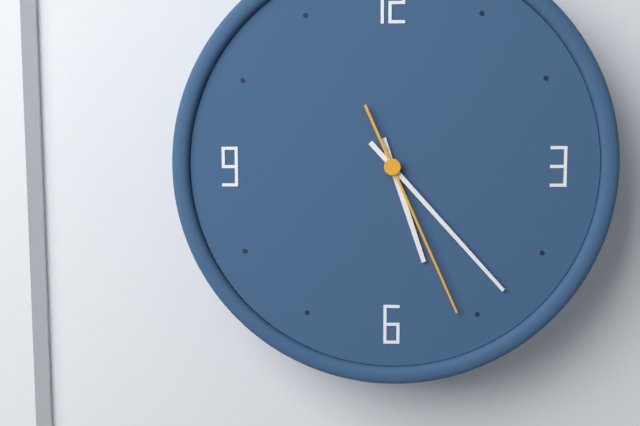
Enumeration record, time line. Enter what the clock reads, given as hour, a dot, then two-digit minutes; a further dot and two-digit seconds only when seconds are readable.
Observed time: 5.23.26
